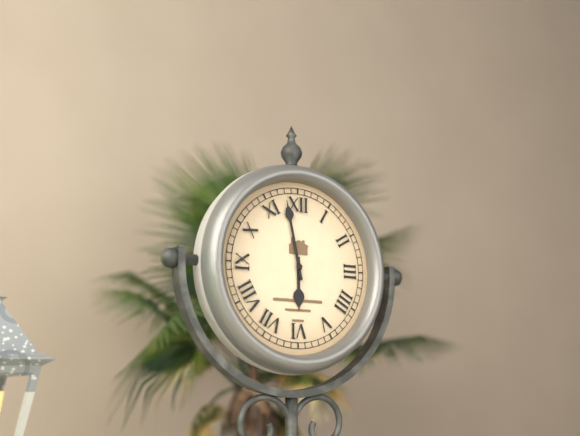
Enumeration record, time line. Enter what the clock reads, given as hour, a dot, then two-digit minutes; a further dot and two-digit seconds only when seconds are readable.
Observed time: 5.58
